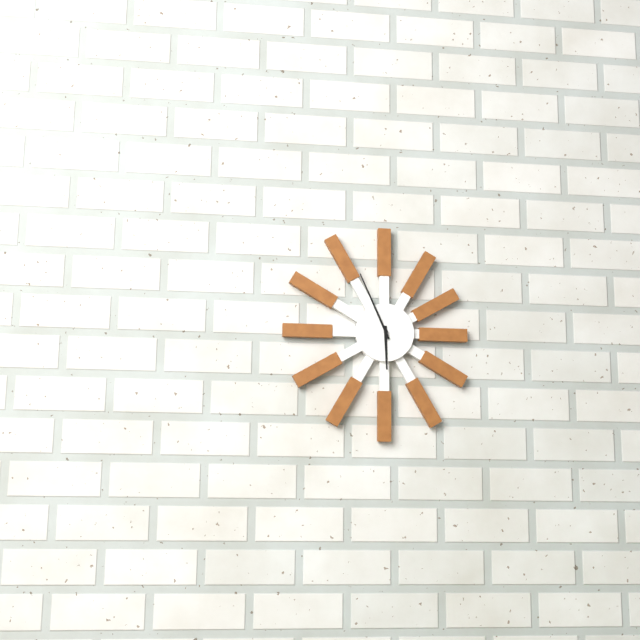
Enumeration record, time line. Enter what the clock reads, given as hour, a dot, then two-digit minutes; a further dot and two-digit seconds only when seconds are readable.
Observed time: 5.56
